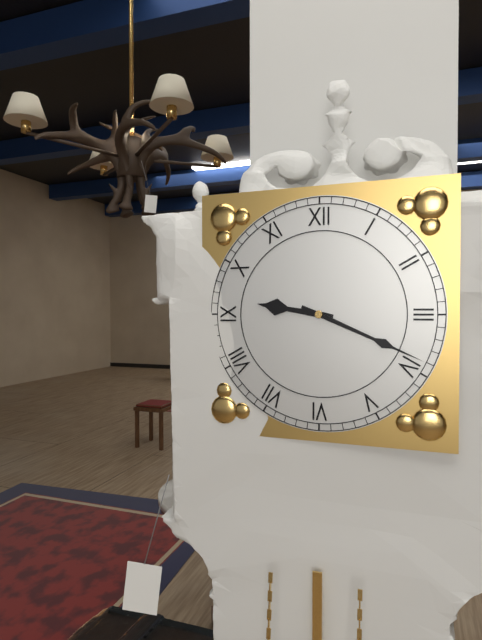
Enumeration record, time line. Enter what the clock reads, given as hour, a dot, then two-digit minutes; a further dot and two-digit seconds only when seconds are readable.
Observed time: 9.19
